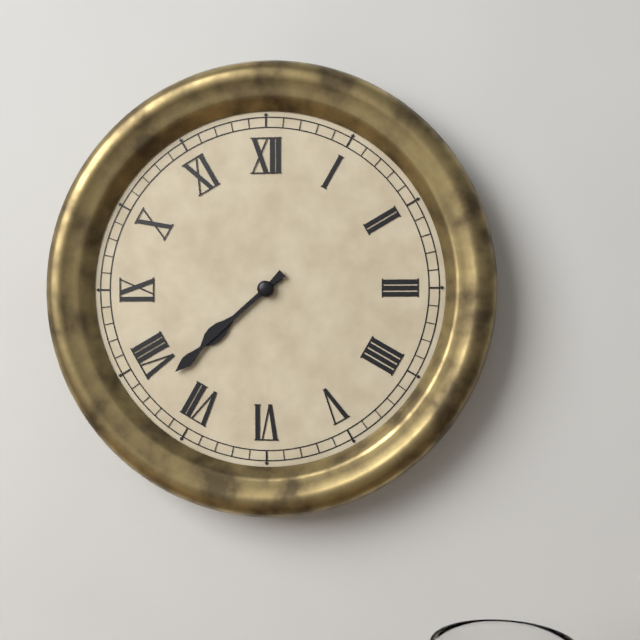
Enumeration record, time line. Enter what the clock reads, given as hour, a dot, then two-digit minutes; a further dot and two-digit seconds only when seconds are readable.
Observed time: 7.38
